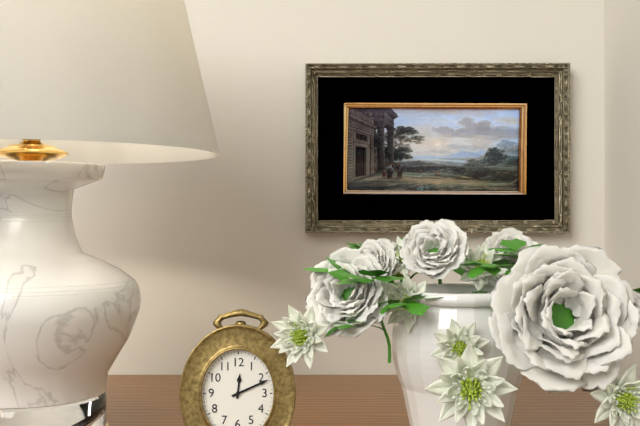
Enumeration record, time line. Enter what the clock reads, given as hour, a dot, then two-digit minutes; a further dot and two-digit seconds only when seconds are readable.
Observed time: 12.11
